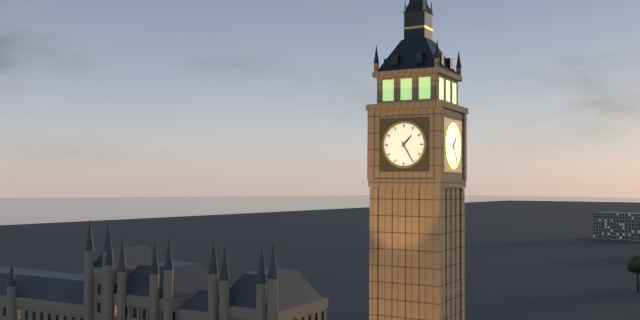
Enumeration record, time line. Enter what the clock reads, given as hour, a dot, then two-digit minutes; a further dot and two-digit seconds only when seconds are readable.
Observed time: 1.25
